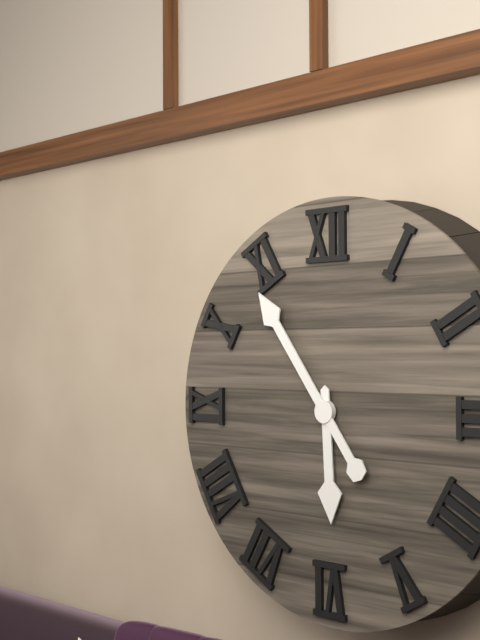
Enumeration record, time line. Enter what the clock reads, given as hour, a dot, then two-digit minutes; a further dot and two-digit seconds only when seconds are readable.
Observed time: 5.54
